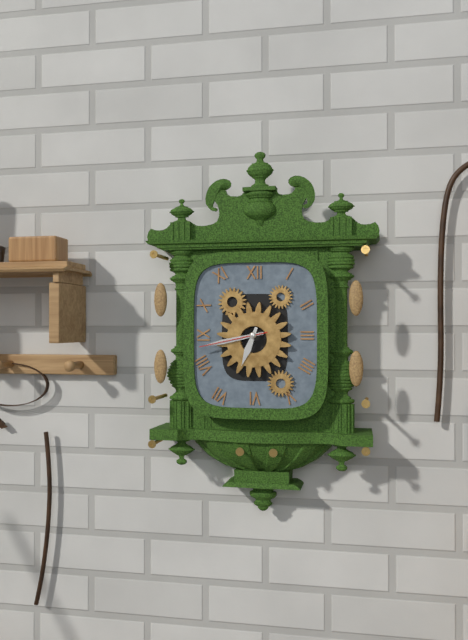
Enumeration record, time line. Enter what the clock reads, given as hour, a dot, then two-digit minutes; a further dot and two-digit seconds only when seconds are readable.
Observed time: 6.43.43
